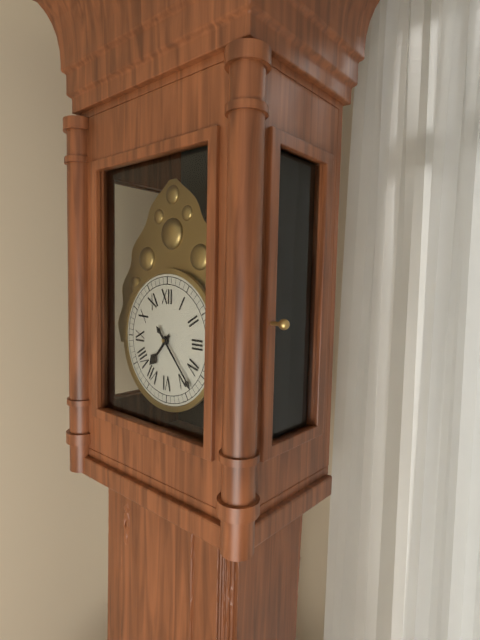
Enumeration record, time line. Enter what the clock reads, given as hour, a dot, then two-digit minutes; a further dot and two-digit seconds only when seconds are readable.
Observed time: 7.23
